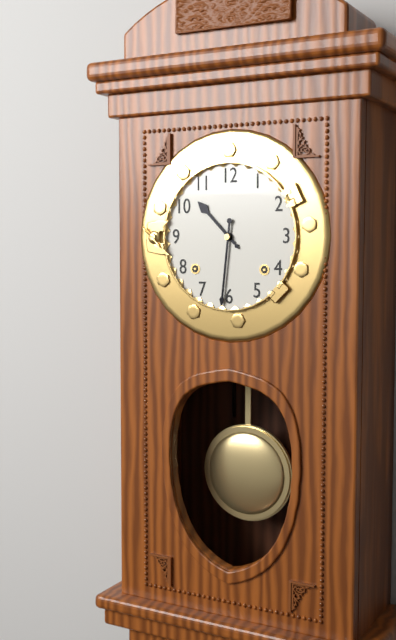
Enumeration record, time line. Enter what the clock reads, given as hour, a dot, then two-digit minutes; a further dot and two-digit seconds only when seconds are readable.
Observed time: 10.31
